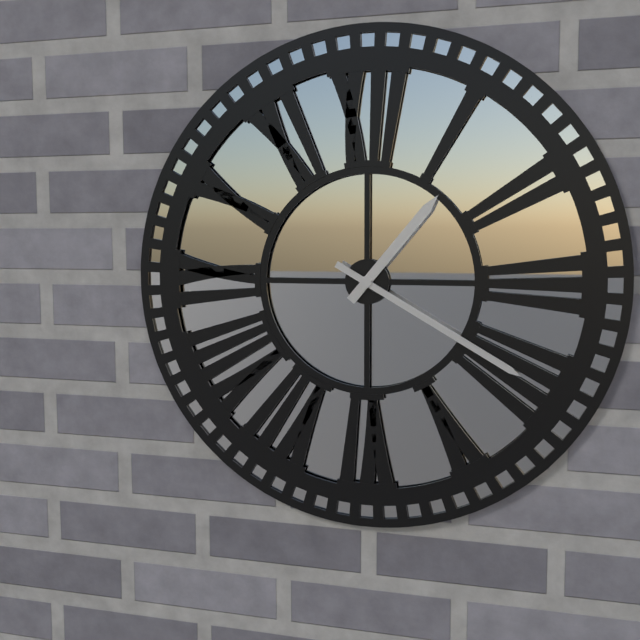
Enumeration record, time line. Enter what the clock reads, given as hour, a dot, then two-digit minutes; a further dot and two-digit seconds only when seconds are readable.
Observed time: 1.20
